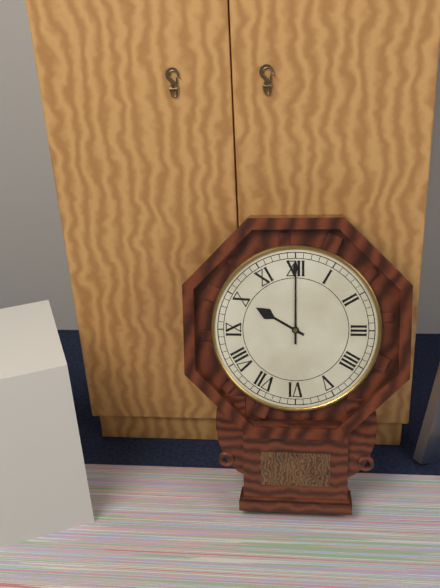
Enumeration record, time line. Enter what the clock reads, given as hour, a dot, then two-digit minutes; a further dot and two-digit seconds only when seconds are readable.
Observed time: 10.00
